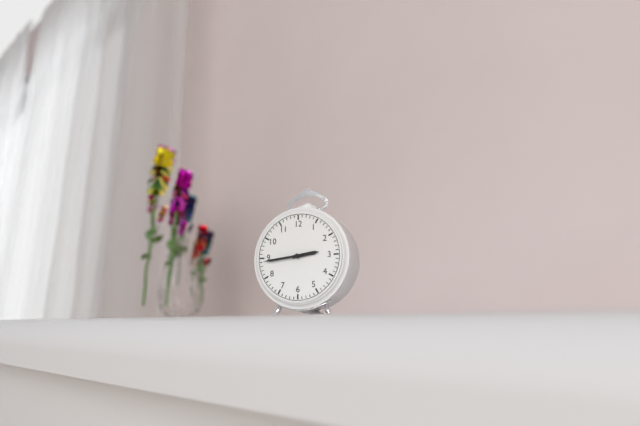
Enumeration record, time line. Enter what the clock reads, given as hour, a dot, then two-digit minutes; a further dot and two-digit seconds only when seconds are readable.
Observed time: 2.44
